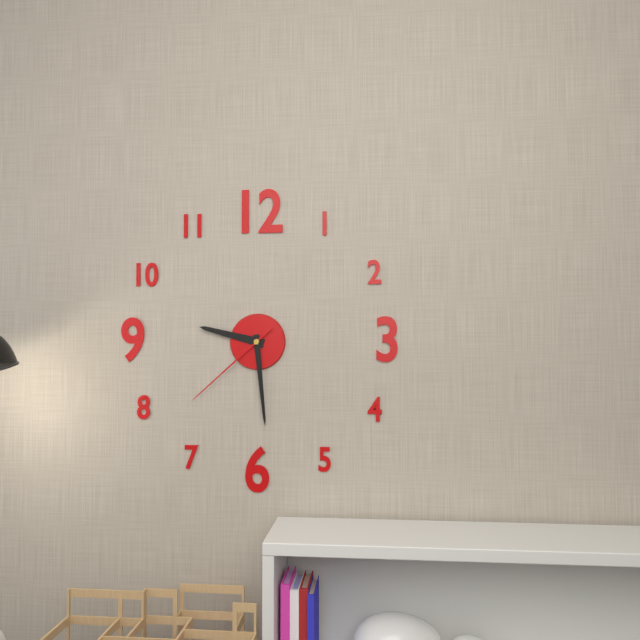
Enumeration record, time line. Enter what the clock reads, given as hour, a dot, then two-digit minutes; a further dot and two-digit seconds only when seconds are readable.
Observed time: 9.29.38
